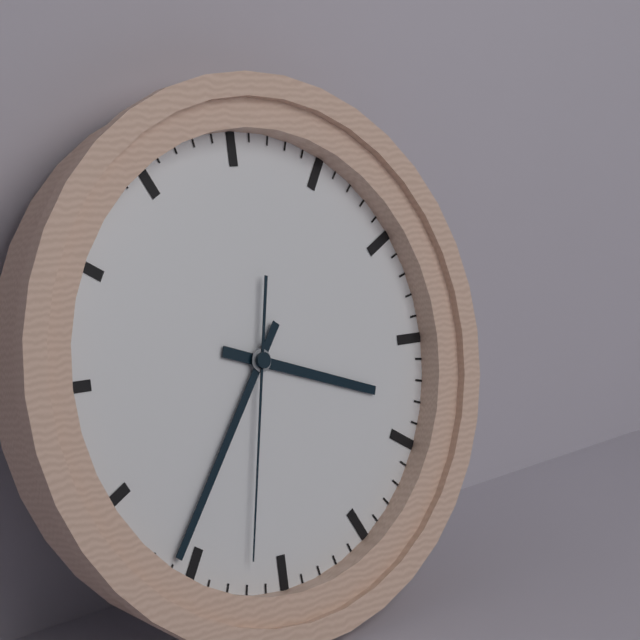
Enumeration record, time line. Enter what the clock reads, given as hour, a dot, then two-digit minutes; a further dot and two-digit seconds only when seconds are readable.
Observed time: 3.36.32
